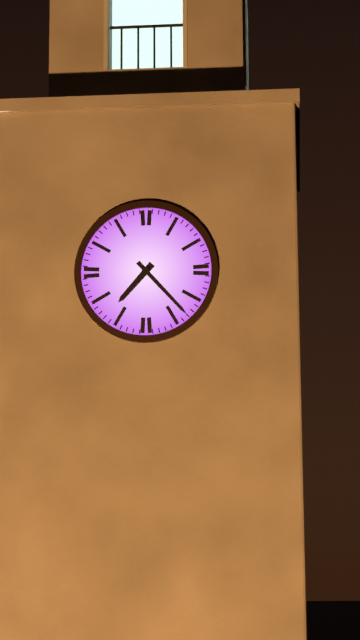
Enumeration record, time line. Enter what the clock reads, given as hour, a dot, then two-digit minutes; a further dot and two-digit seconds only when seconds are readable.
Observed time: 7.23
